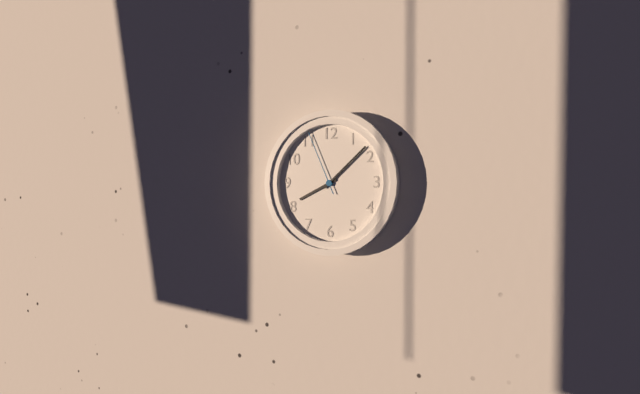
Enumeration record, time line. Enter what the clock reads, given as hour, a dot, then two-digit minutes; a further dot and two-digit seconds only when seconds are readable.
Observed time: 8.08.56
